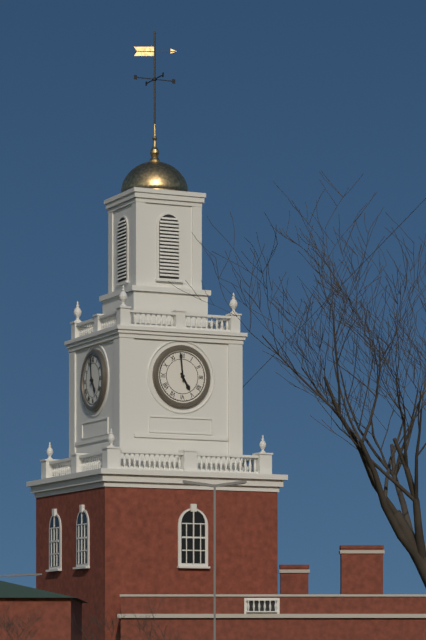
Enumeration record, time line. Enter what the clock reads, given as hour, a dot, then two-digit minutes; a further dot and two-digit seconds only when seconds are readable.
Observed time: 4.59
